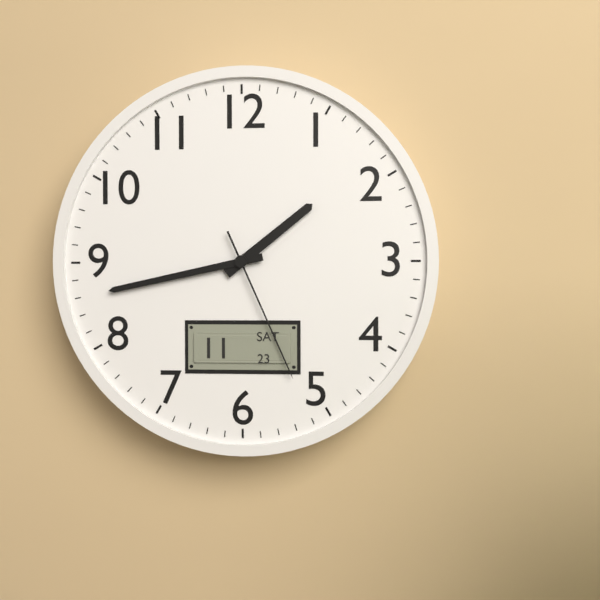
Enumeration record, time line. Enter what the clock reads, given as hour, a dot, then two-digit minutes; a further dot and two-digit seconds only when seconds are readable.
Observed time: 1.43.26
